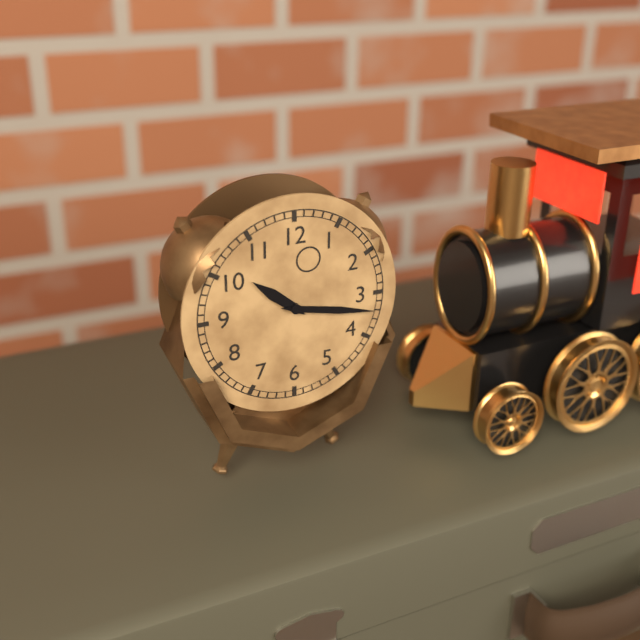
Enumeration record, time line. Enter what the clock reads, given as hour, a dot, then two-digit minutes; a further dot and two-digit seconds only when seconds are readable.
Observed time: 10.17
